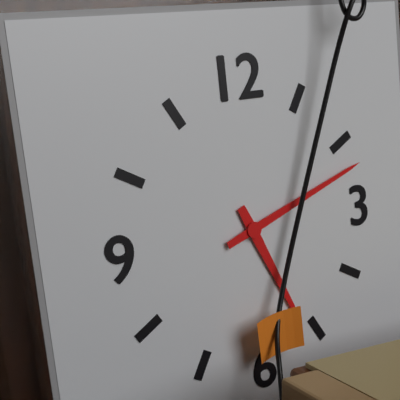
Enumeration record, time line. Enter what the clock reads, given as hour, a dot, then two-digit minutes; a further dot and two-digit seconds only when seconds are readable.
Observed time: 5.12
